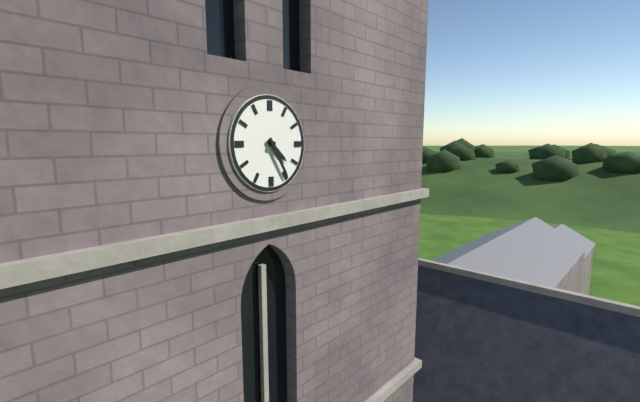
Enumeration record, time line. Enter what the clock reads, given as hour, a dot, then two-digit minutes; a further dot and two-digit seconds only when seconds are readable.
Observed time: 4.25
